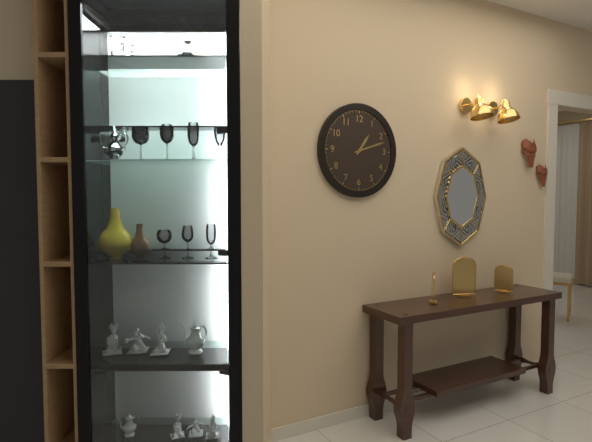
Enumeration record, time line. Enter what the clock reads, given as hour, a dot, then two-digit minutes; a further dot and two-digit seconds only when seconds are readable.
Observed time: 1.12
